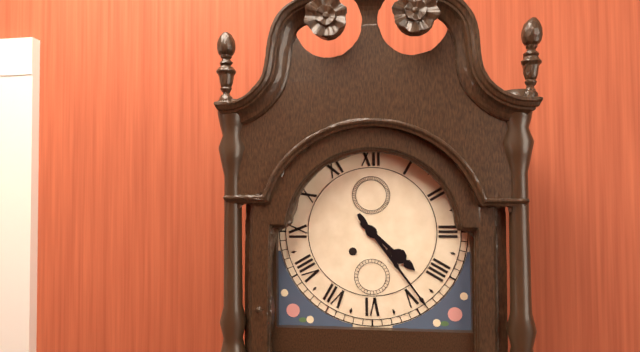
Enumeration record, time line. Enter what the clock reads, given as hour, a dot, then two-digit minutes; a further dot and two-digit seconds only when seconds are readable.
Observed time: 4.24
